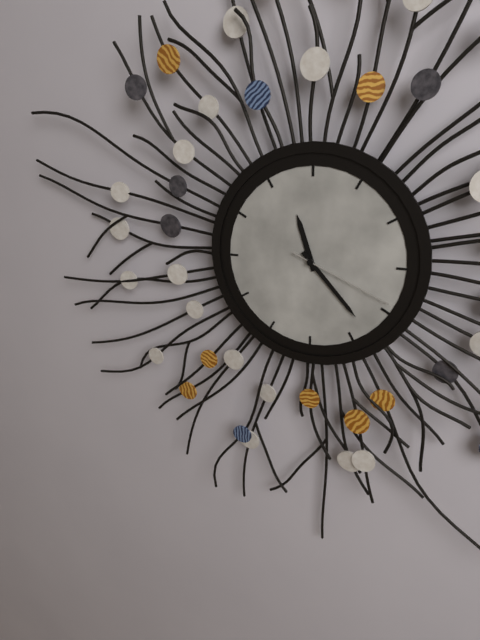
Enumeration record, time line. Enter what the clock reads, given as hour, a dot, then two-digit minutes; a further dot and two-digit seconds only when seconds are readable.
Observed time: 11.23.19
